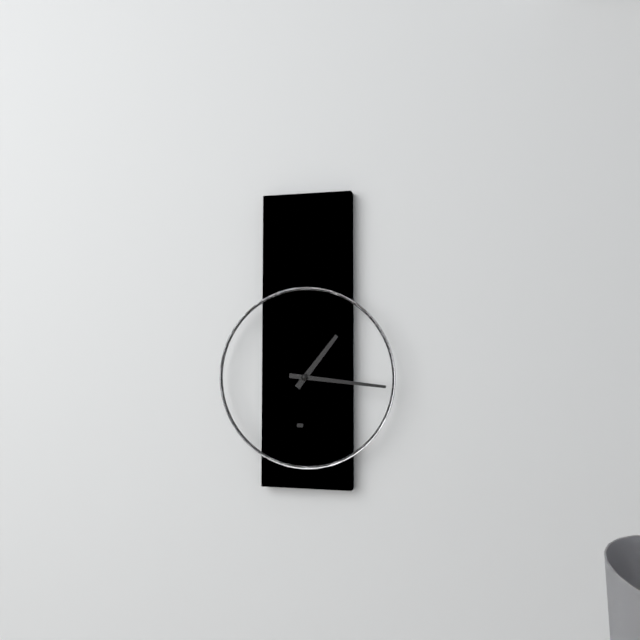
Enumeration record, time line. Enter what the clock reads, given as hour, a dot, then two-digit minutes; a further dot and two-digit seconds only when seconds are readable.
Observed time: 1.16
